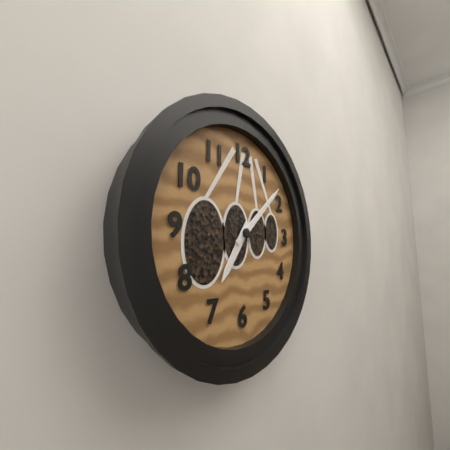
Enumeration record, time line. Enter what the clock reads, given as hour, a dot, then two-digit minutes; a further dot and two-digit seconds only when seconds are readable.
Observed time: 7.08
